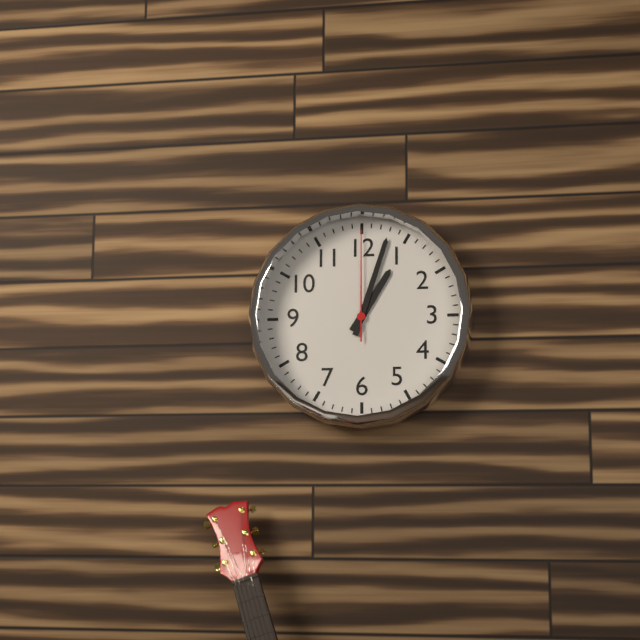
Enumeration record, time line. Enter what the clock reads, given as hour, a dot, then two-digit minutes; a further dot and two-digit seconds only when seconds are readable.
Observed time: 1.03.00
